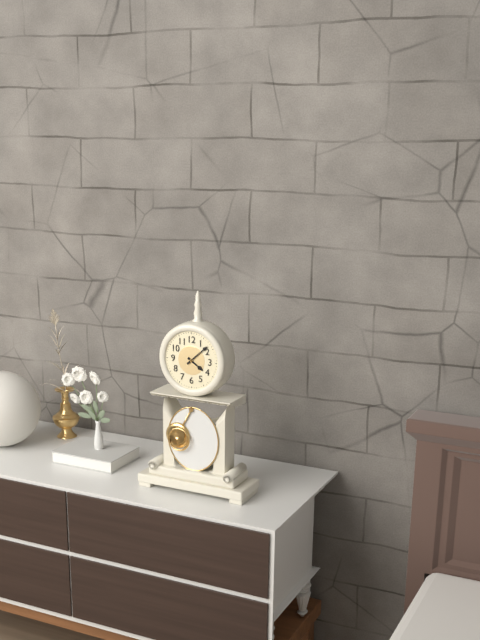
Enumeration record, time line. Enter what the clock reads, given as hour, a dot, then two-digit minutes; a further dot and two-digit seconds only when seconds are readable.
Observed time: 4.08
